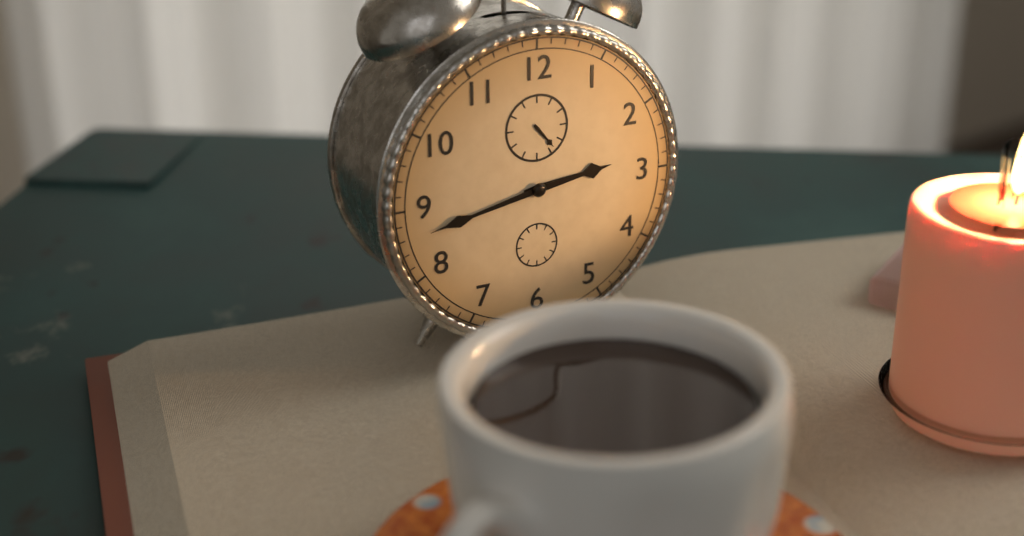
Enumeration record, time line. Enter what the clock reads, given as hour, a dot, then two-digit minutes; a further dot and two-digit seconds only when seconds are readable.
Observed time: 2.43
